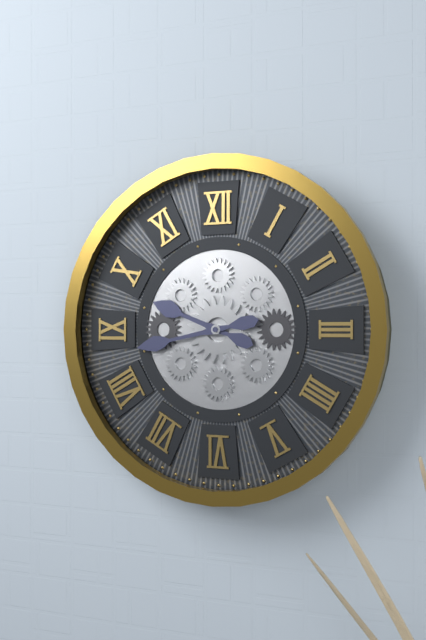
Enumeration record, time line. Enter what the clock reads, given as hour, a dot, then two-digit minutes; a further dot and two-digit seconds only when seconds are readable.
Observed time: 9.43
